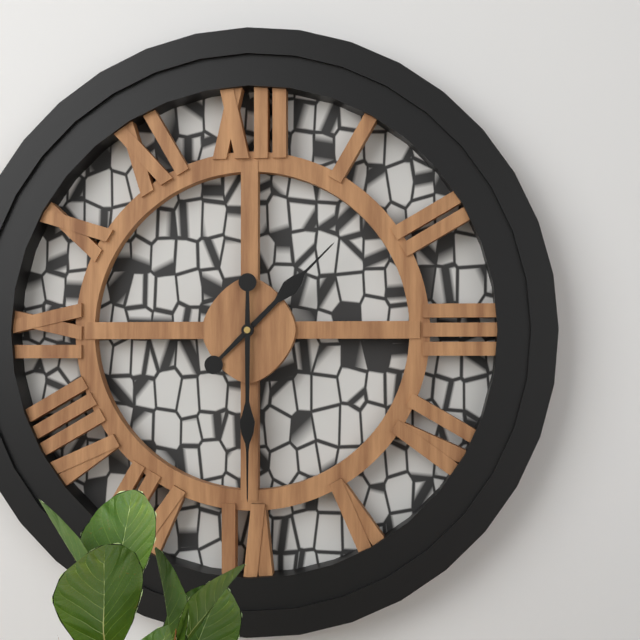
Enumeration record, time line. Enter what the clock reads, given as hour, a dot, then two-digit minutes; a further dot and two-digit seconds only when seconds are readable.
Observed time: 1.30
